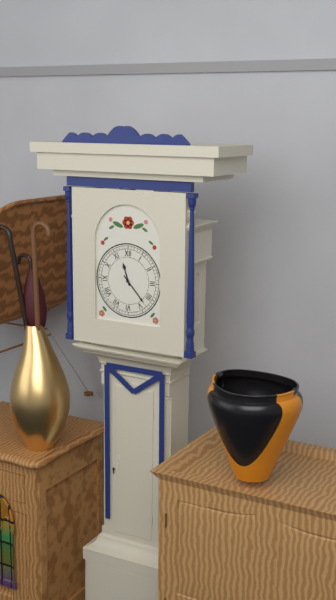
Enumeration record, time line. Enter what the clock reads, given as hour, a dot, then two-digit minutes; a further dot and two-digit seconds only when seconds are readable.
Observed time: 11.23
